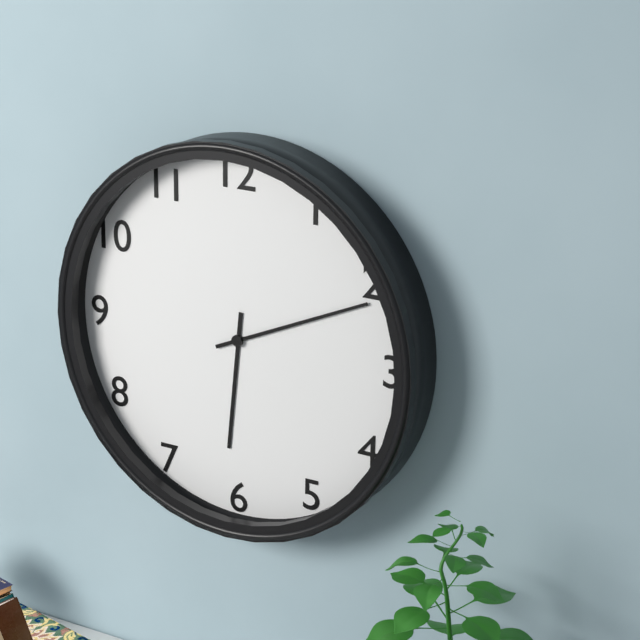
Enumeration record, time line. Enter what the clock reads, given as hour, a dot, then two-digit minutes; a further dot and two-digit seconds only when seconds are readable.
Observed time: 6.11
